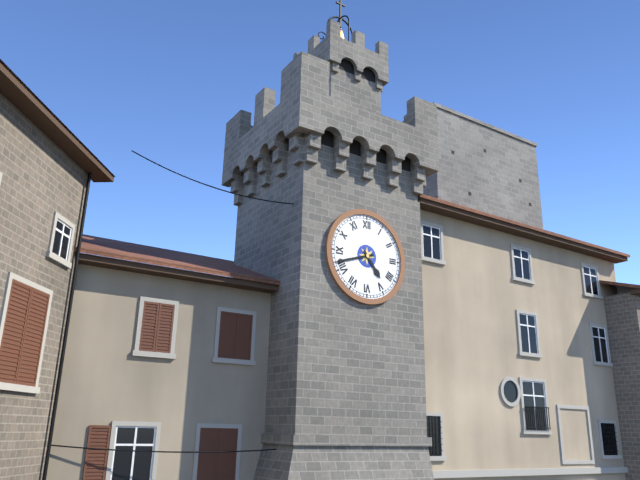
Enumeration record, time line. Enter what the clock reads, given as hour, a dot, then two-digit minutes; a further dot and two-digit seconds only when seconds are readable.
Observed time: 4.42
